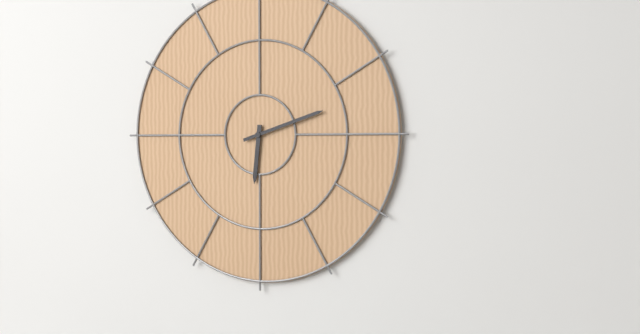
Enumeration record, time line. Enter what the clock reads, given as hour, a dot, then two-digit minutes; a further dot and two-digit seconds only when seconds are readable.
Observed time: 6.12
